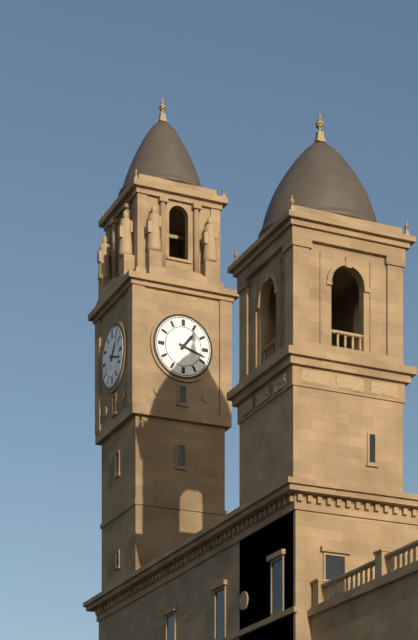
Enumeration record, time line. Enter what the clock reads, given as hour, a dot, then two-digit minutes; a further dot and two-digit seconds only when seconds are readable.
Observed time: 1.18
